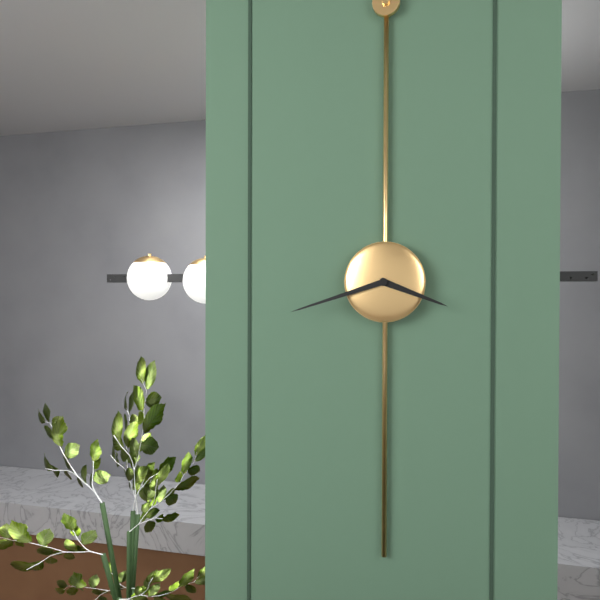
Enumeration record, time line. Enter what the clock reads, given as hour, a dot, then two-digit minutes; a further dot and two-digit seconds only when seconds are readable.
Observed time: 3.42
